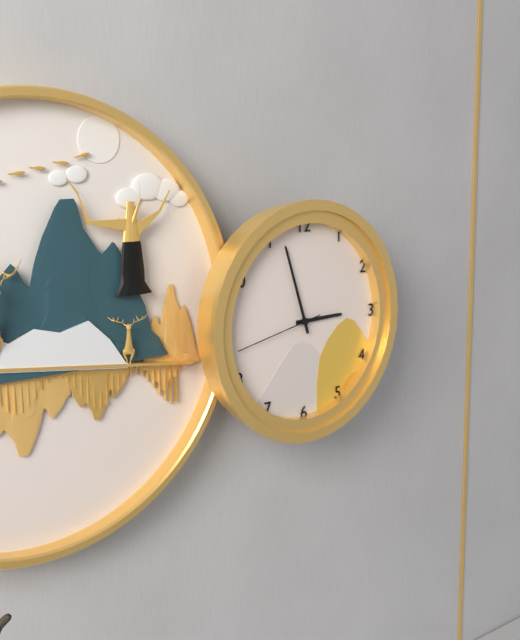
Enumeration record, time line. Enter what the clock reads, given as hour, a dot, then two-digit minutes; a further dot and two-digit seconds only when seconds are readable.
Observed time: 2.57.43
